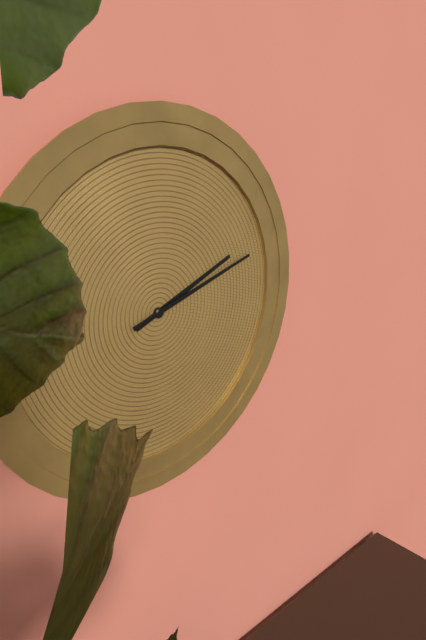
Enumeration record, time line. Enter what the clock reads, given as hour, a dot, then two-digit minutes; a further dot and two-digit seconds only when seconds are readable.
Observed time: 2.12
